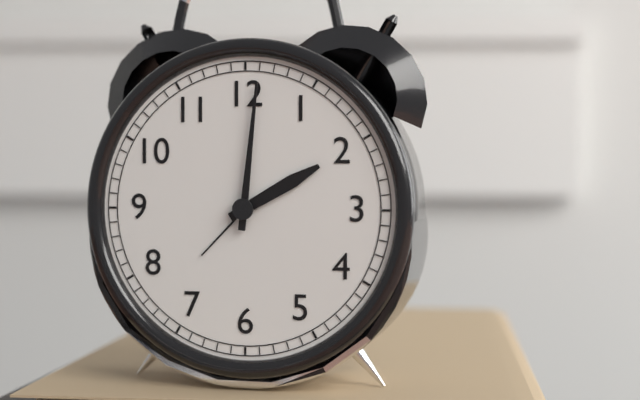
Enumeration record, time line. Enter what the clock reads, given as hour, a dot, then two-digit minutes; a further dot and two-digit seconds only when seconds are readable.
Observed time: 2.01
